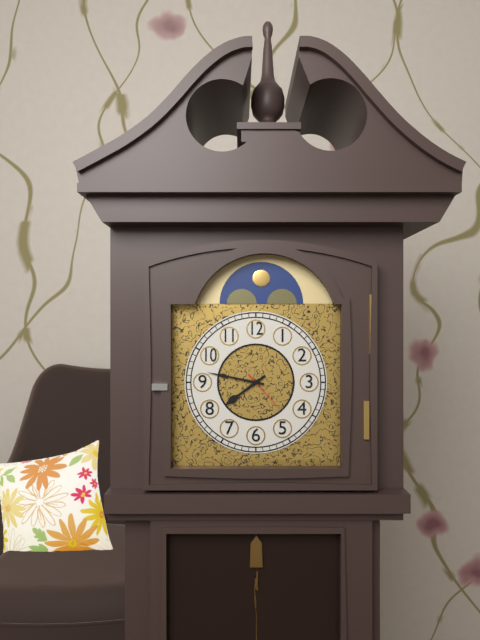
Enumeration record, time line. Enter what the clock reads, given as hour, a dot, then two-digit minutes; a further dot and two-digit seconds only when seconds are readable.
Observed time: 7.47
